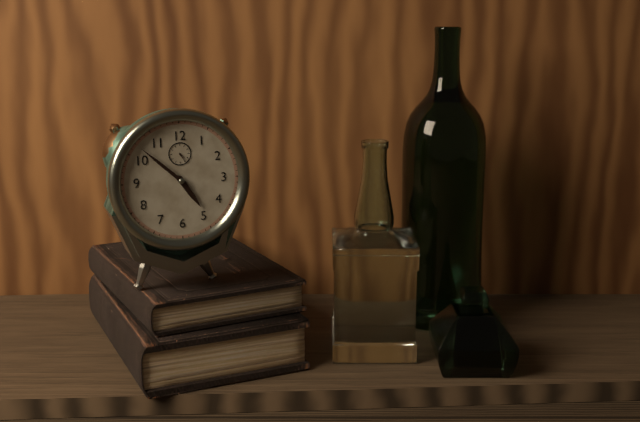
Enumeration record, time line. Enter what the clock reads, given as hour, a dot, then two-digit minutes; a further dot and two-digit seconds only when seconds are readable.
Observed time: 4.52
